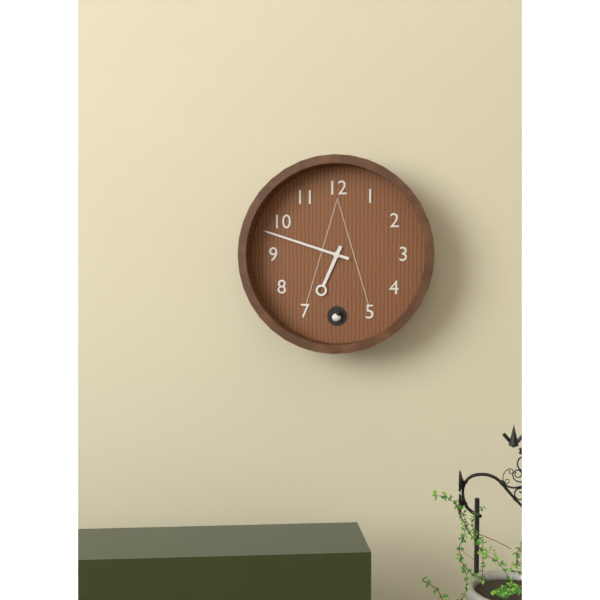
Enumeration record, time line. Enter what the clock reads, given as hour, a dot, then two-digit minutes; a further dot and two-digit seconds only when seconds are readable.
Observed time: 6.48
